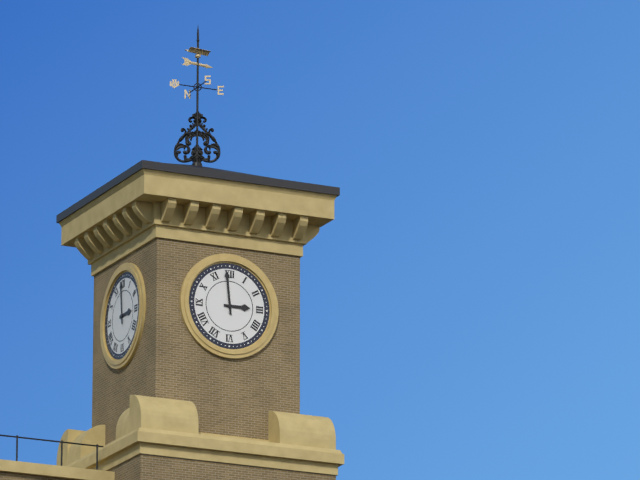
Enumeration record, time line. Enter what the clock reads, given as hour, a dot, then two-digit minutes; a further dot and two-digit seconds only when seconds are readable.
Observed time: 2.59
